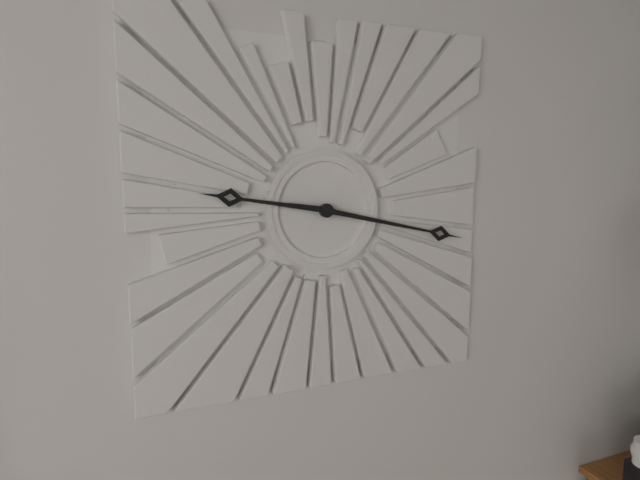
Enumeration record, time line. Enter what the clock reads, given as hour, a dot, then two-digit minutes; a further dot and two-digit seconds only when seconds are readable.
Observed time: 9.17
